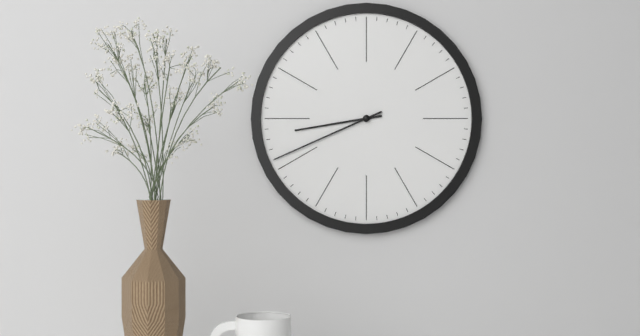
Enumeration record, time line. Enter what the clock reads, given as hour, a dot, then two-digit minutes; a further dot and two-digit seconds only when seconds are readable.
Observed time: 8.41
